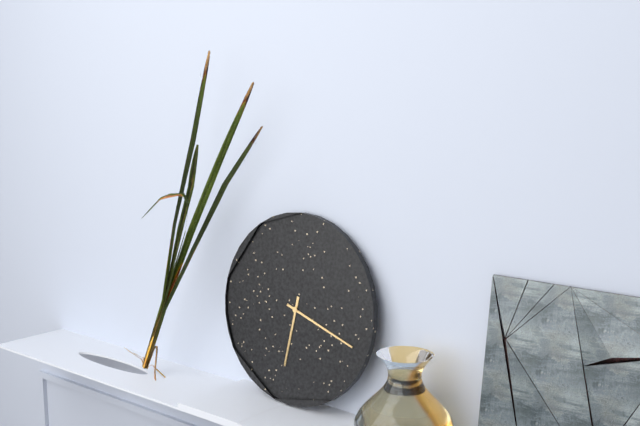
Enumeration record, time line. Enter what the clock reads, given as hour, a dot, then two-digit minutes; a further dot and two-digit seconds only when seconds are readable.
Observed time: 6.18
